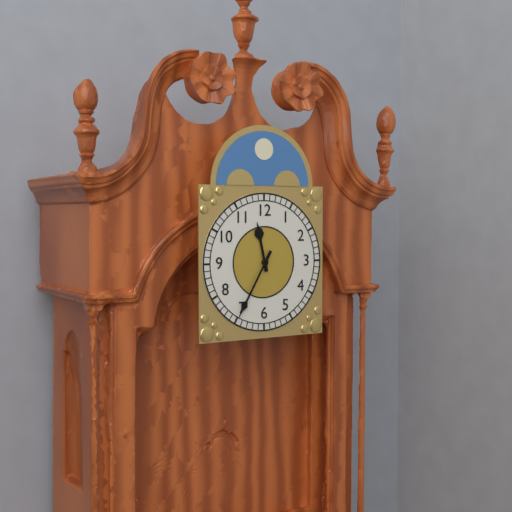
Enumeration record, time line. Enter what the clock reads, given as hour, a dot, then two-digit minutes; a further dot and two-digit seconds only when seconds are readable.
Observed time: 11.35
